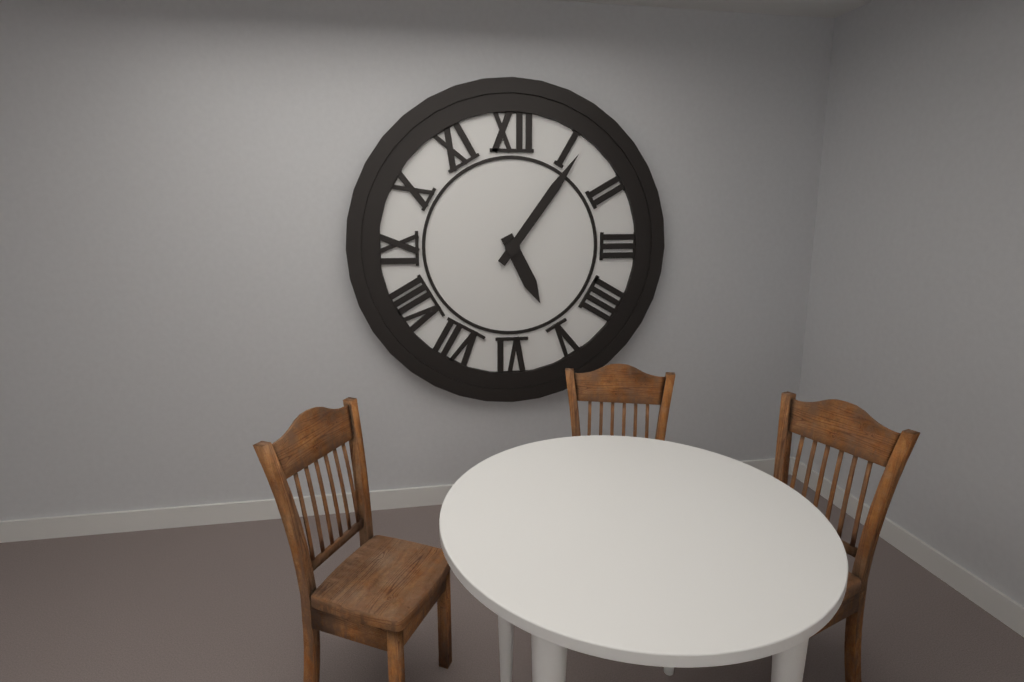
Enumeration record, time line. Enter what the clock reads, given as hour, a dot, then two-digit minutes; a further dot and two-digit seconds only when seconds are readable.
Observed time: 5.06
